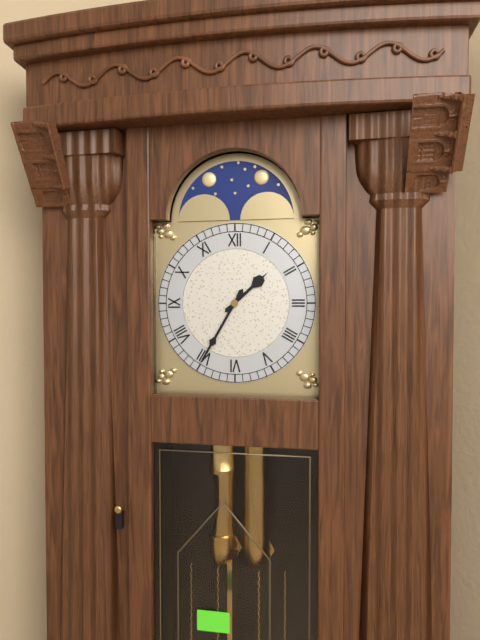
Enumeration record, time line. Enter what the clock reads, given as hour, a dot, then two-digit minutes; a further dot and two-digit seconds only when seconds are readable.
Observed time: 1.35
